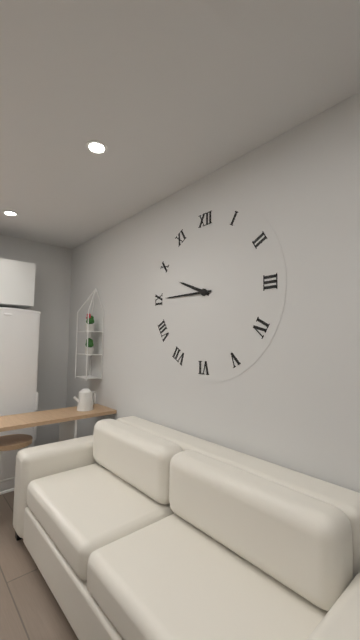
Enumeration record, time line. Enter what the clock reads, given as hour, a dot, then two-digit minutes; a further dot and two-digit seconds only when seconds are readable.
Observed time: 9.45
